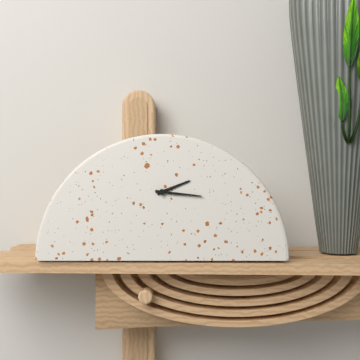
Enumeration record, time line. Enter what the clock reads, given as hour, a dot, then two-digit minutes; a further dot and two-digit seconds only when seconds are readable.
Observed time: 2.16
